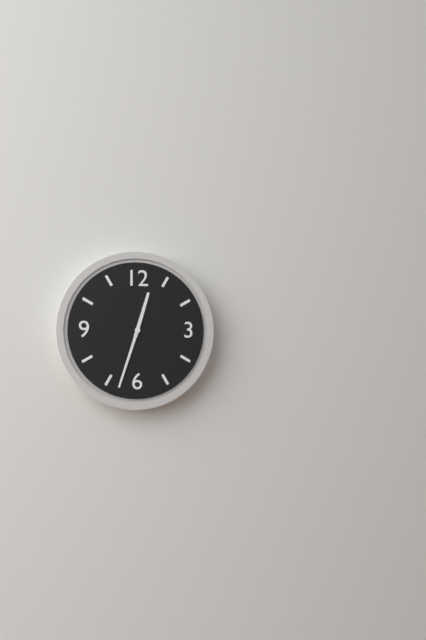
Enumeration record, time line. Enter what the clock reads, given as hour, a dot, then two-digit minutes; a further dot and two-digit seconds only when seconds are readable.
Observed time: 12.33
